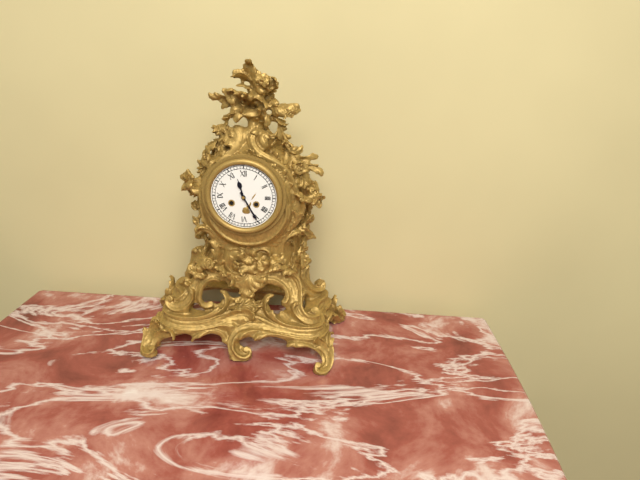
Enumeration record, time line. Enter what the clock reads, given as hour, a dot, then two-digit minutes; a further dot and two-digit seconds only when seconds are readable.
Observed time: 11.25
